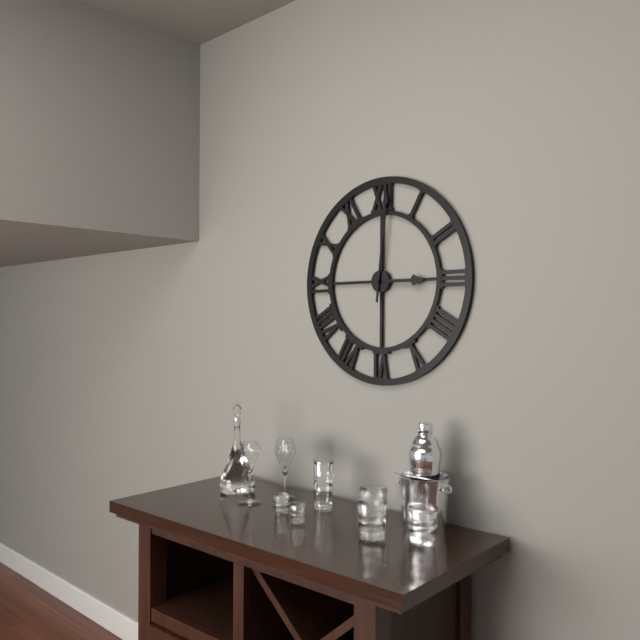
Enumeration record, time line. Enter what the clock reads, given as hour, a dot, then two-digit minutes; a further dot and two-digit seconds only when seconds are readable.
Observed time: 3.01
